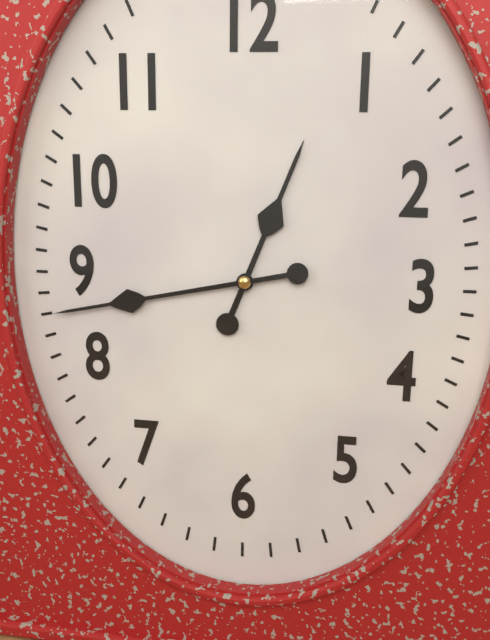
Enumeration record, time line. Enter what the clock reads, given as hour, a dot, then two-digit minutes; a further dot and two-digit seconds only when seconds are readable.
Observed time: 12.43
